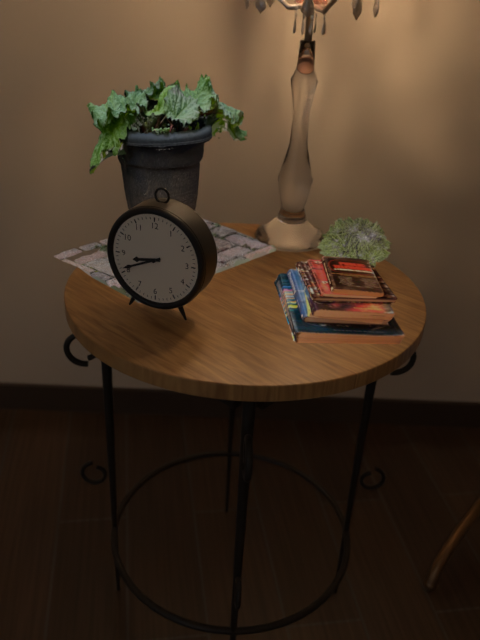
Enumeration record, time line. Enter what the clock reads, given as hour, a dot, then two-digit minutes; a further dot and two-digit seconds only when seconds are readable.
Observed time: 8.41
